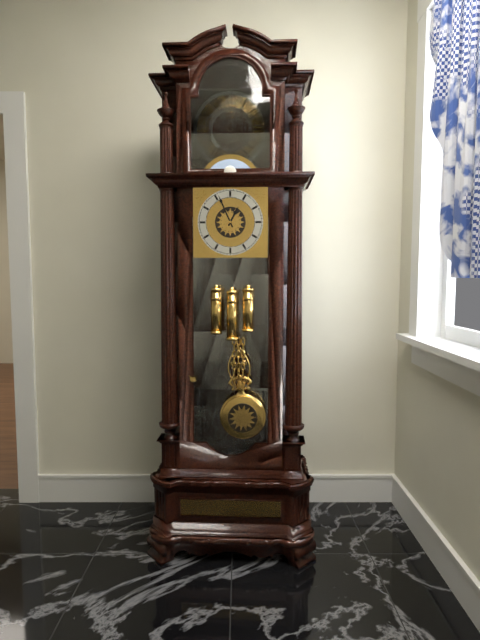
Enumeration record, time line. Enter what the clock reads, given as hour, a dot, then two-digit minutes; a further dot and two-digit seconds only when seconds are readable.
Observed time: 12.56
